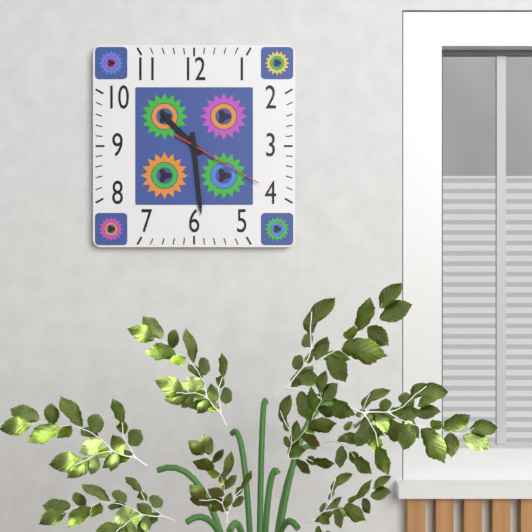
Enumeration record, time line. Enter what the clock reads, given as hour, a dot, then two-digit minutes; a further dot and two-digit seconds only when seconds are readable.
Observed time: 10.29.20
